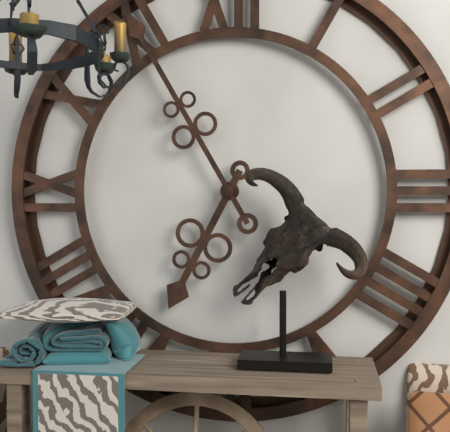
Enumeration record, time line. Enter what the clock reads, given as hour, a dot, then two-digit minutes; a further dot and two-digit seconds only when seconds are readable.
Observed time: 6.55
